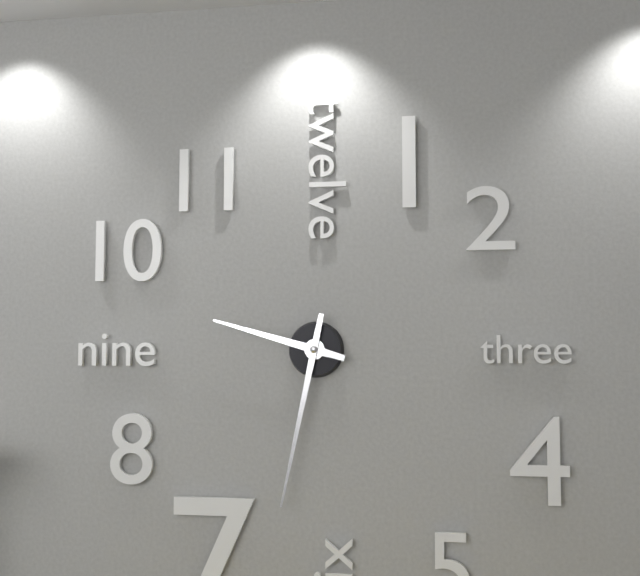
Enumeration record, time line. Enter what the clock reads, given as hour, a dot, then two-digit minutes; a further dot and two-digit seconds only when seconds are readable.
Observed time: 9.32
